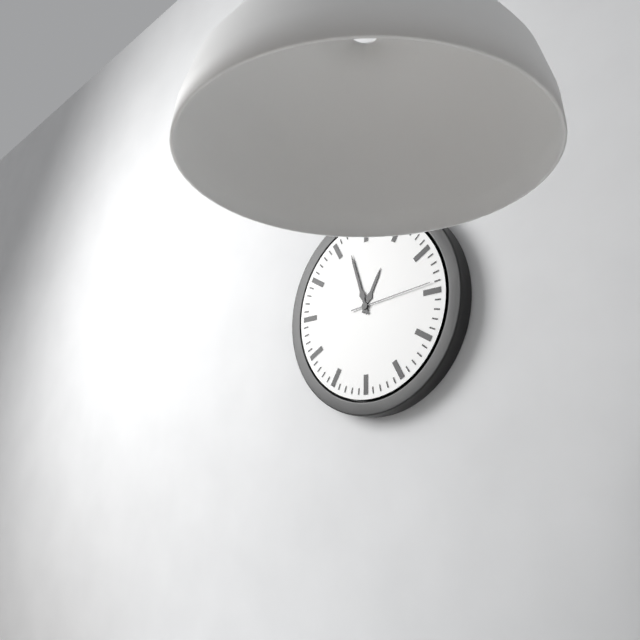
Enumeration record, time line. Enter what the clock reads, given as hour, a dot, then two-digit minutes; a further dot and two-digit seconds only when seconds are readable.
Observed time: 12.57.14
